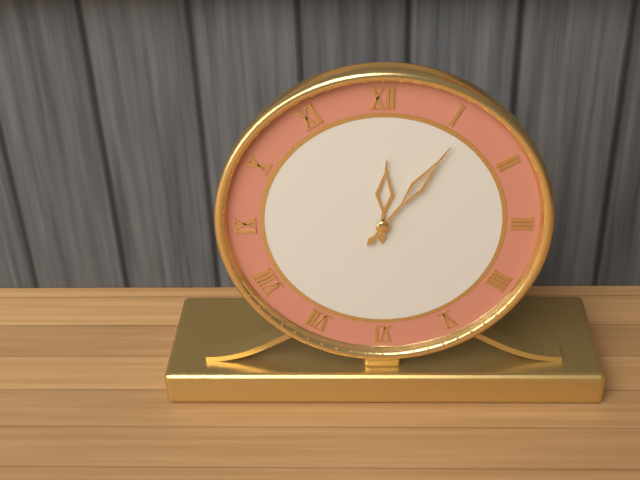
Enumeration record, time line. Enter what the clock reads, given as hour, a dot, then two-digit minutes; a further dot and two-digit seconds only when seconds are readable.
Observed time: 12.06
